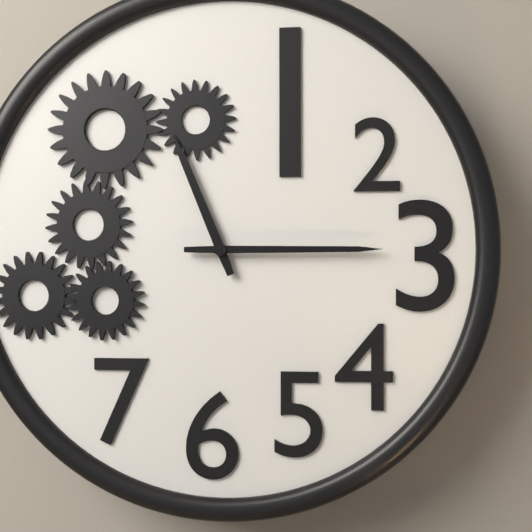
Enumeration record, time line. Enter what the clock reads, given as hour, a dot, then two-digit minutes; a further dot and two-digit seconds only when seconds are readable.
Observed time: 11.15
